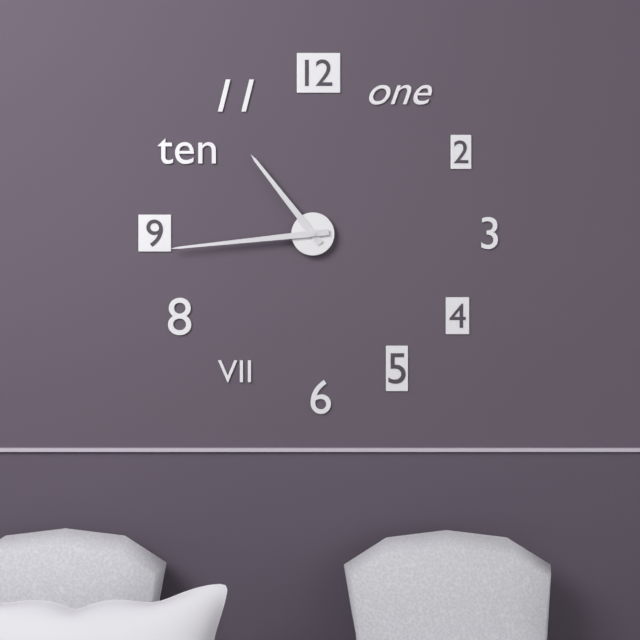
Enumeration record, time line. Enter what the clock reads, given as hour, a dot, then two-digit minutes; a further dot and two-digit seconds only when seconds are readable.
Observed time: 10.44
